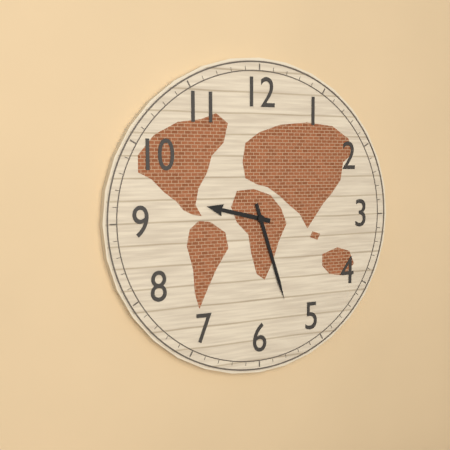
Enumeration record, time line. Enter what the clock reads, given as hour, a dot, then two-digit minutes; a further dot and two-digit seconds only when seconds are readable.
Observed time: 9.27
